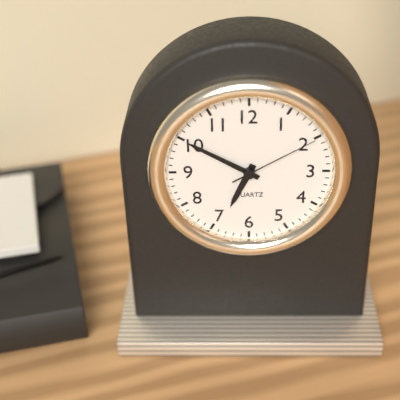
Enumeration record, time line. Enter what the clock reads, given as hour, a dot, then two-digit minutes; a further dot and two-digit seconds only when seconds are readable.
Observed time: 6.50.10
